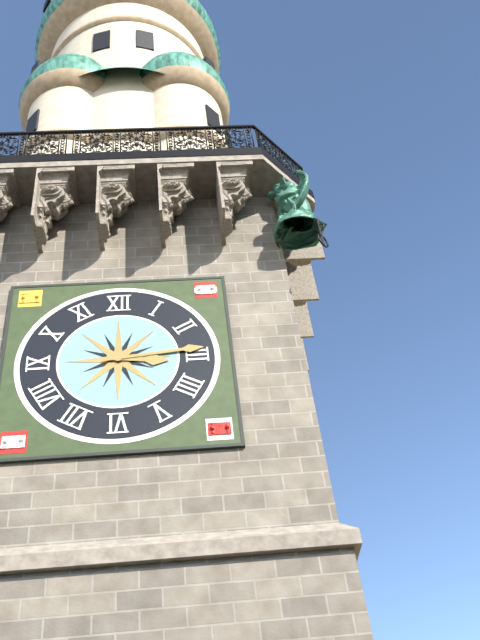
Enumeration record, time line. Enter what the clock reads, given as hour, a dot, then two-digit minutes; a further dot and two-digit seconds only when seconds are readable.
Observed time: 3.14
